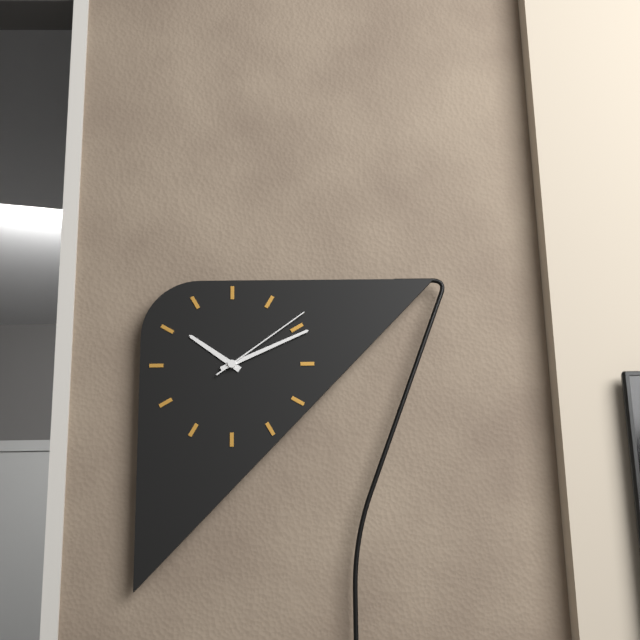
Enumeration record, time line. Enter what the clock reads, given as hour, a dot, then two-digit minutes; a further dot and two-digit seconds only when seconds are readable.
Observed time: 10.11.09
